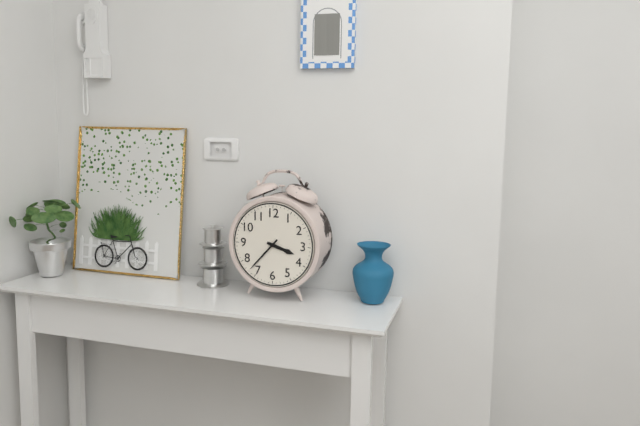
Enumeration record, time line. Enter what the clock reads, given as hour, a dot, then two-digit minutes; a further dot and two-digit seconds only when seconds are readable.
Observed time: 3.37
